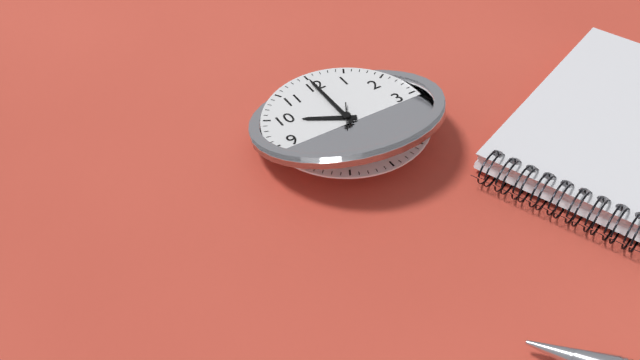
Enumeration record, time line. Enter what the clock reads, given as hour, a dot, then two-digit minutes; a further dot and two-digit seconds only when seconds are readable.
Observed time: 10.00
